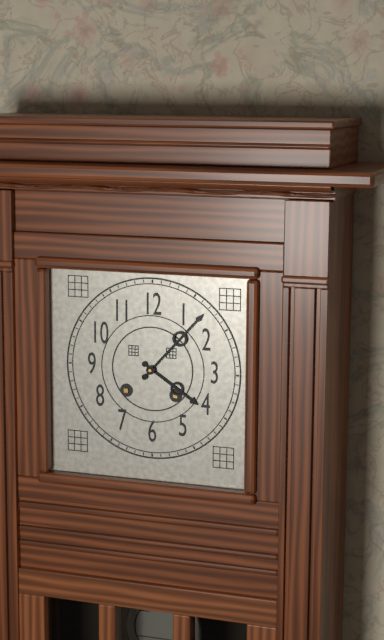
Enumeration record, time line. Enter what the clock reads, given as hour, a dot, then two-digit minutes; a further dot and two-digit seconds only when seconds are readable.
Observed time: 4.07
